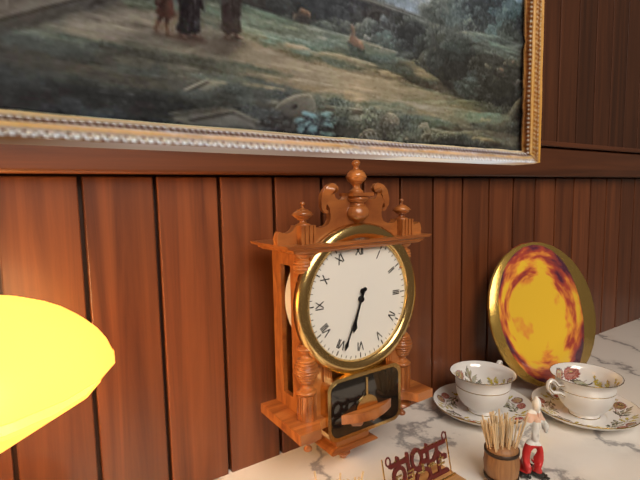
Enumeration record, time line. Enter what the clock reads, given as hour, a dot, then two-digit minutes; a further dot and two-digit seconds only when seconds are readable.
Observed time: 6.34
